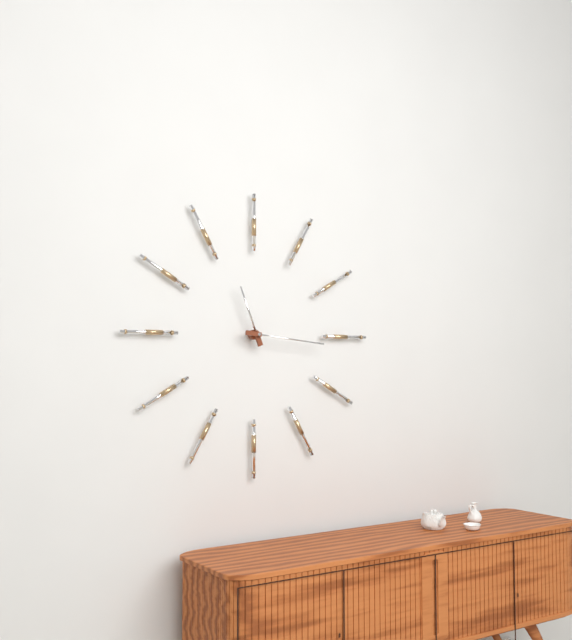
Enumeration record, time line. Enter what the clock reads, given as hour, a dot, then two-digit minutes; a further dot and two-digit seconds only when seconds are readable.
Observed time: 11.16
